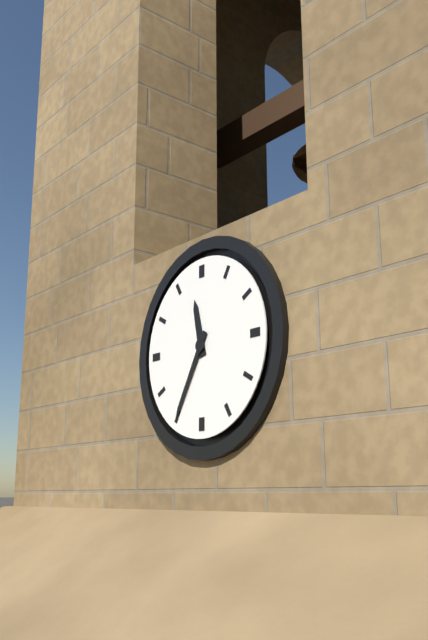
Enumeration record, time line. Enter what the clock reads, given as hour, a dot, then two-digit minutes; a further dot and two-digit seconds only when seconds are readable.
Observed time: 11.35
